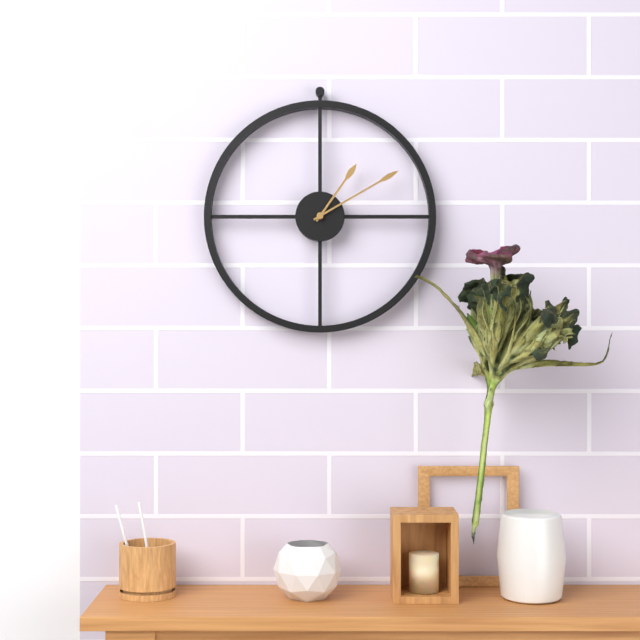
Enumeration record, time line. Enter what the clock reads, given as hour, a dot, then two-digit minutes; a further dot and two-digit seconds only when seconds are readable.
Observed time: 1.10
